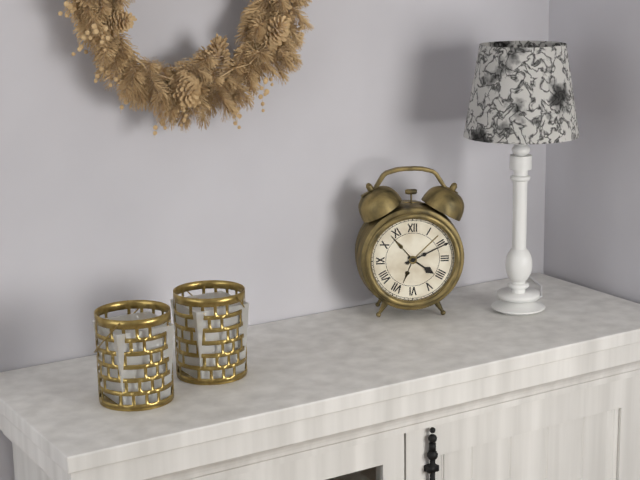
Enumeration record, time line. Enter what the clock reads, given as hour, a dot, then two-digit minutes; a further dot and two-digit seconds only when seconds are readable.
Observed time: 4.11
